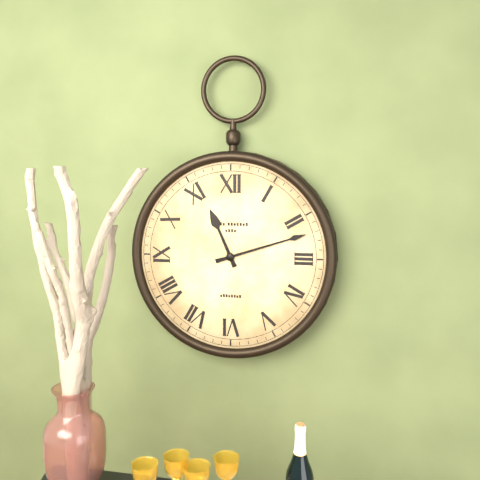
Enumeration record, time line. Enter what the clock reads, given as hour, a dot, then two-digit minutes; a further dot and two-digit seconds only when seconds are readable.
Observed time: 11.12
